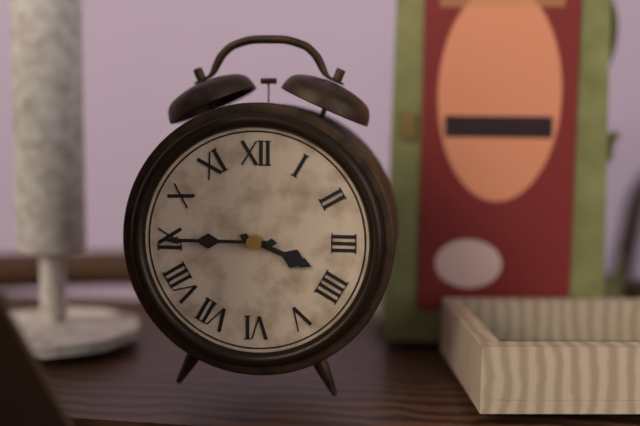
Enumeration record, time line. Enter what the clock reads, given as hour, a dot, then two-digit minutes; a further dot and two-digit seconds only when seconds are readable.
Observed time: 3.45
